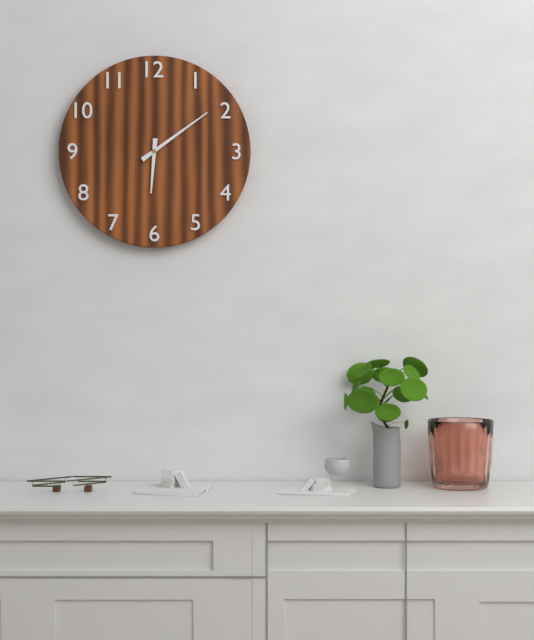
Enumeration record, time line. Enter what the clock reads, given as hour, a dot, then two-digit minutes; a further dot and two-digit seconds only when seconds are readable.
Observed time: 6.09
